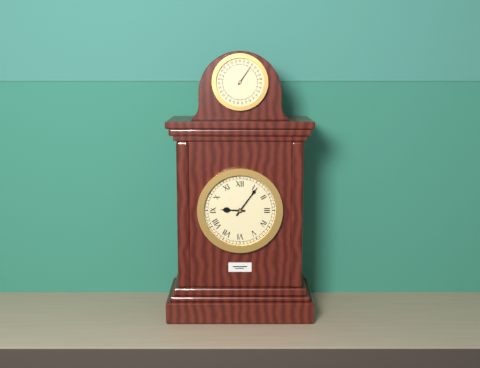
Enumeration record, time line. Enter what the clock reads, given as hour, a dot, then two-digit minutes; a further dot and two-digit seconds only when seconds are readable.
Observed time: 9.06
